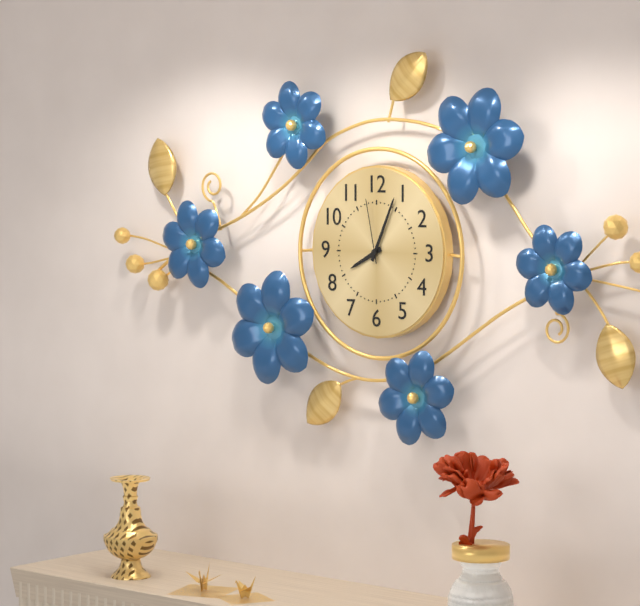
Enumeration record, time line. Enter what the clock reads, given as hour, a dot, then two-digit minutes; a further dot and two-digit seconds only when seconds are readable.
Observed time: 8.04.58
